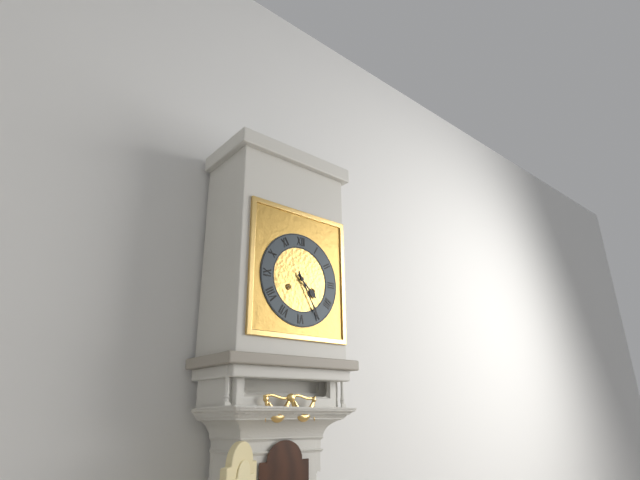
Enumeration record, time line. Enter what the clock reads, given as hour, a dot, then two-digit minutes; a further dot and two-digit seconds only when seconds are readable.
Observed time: 4.25
